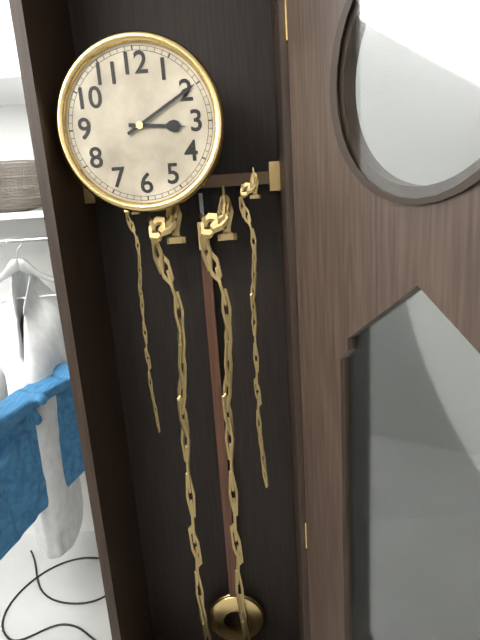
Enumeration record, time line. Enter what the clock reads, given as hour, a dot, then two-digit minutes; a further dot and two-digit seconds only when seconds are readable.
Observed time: 3.10
